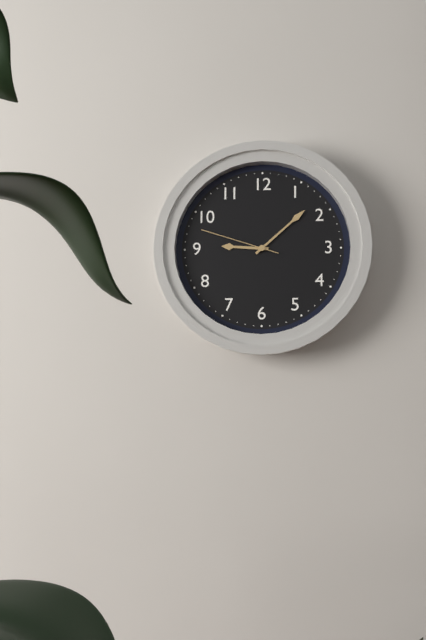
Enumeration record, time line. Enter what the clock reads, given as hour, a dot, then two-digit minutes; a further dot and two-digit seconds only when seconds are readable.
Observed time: 9.08.48
